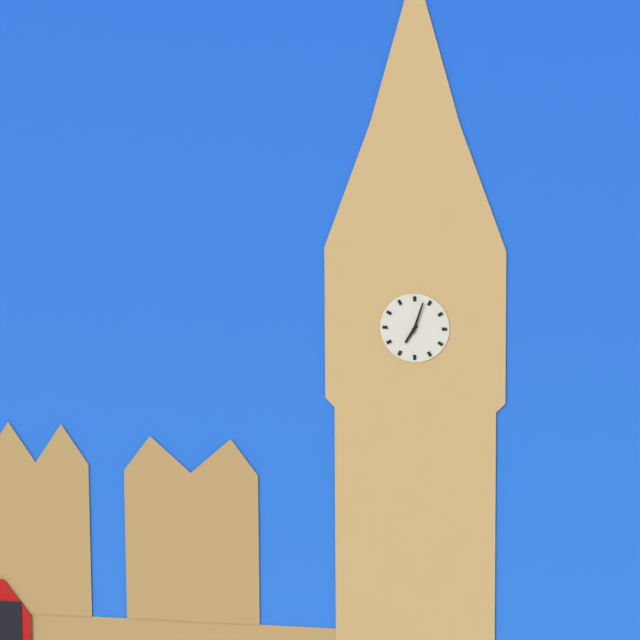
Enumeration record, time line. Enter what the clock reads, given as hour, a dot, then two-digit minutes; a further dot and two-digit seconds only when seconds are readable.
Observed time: 7.03
